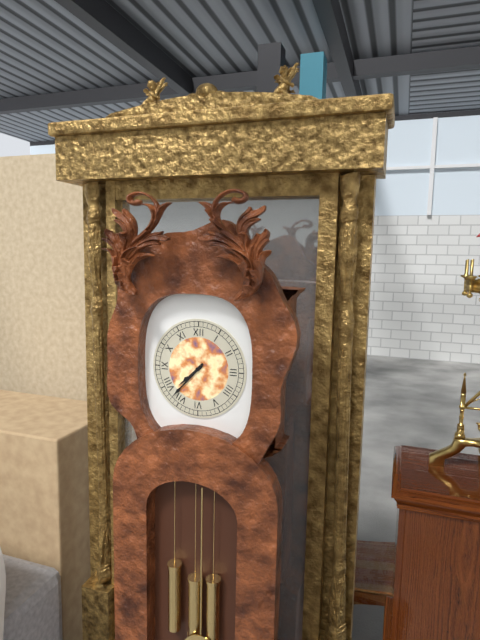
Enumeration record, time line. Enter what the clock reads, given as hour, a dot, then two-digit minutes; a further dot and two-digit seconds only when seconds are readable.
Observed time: 7.37
